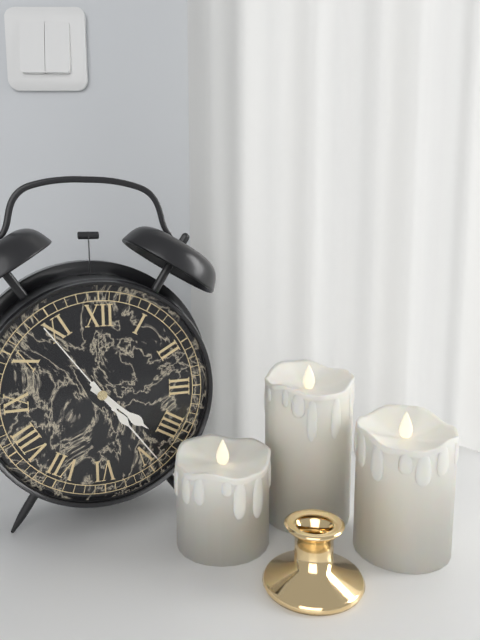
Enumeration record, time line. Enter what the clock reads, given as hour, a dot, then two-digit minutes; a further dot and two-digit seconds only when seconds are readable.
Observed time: 4.24.54
